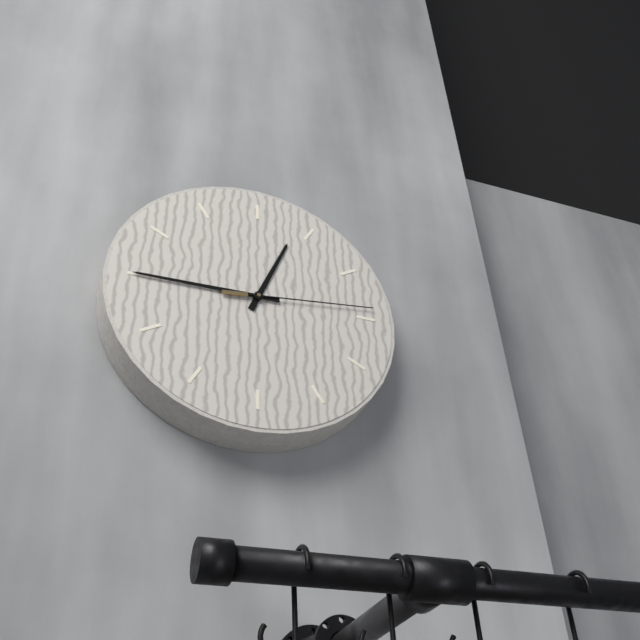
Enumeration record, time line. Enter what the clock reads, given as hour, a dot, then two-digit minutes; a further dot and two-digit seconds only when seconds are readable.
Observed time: 12.45.14
